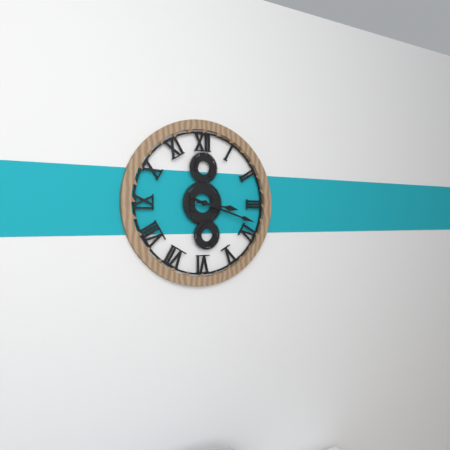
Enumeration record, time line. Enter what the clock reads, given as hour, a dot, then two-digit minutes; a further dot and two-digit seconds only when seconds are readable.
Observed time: 3.18
